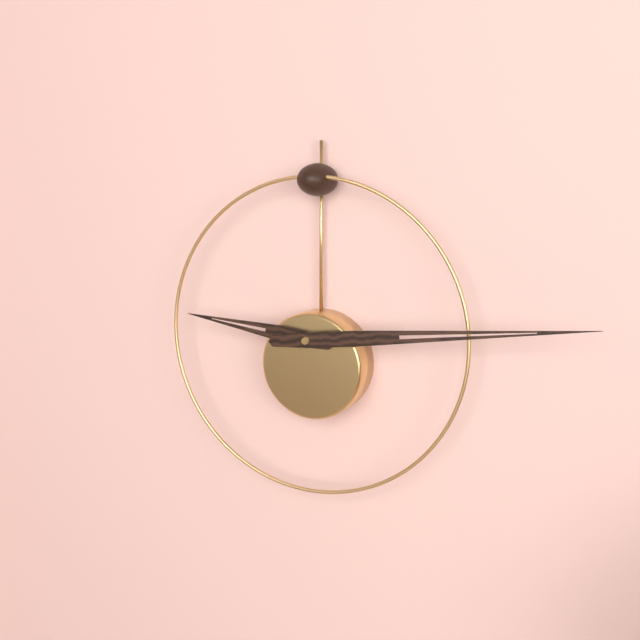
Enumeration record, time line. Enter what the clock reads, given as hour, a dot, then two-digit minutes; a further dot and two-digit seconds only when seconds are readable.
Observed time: 9.14
